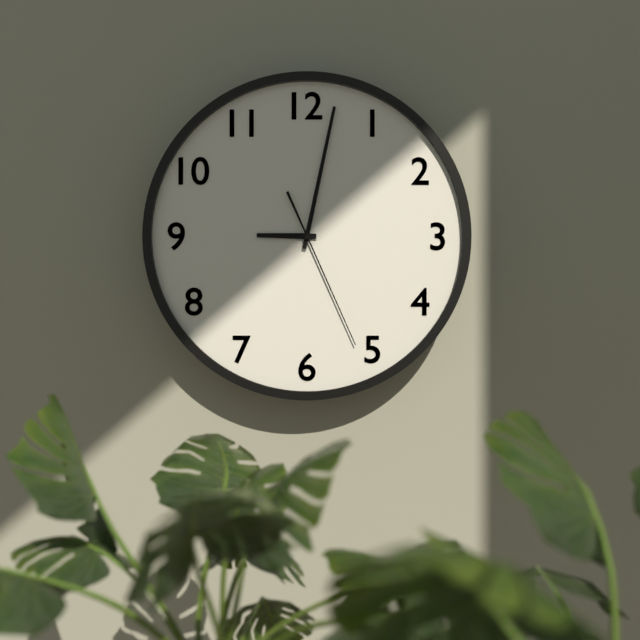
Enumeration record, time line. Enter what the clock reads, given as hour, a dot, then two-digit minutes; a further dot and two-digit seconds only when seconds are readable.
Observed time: 9.02.26
